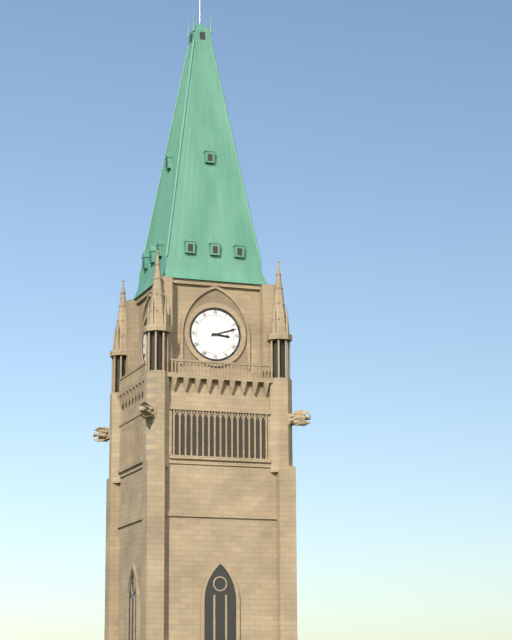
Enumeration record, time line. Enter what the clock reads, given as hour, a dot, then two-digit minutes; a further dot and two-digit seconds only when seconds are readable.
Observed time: 3.12
